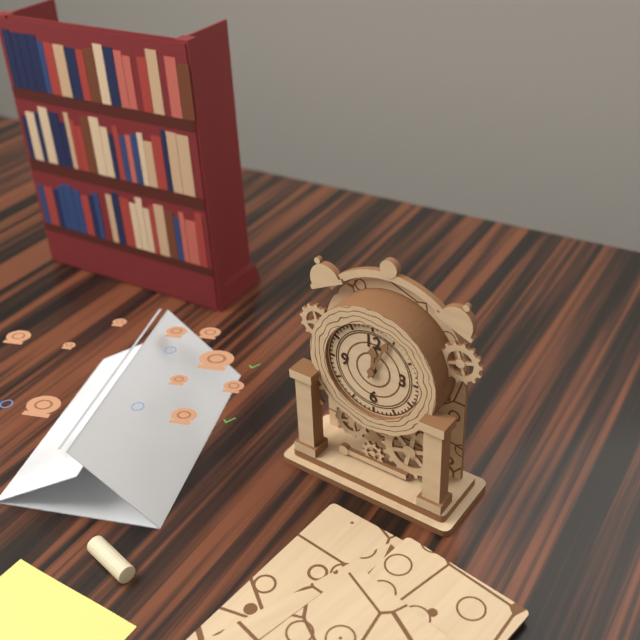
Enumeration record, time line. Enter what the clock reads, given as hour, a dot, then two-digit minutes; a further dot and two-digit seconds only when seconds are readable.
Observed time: 12.04
